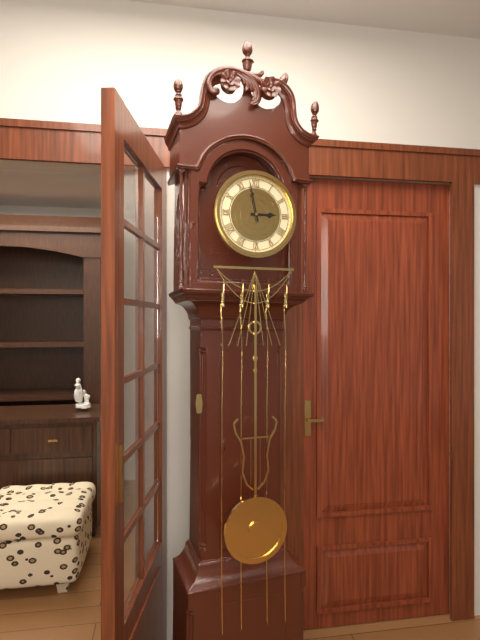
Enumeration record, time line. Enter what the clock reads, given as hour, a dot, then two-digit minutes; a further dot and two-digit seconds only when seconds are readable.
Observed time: 2.58
